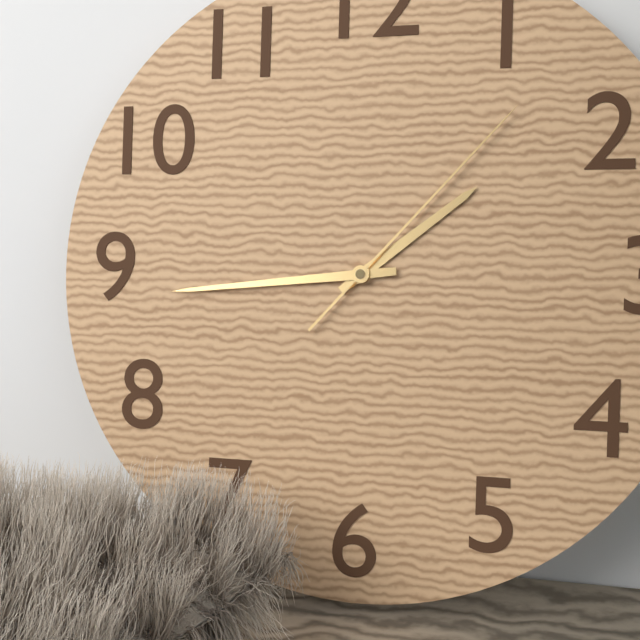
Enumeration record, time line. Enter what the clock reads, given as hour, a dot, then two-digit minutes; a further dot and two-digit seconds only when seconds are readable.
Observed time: 1.44.07
